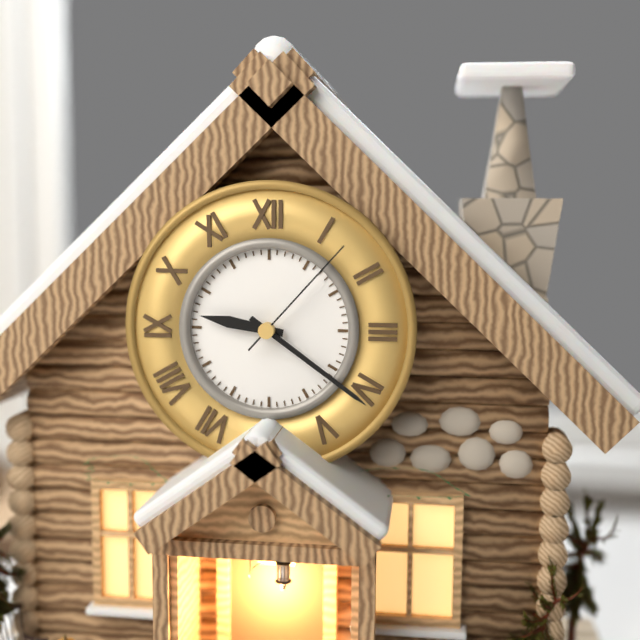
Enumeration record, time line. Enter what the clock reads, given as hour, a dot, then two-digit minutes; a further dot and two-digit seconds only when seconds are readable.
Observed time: 9.21.07
